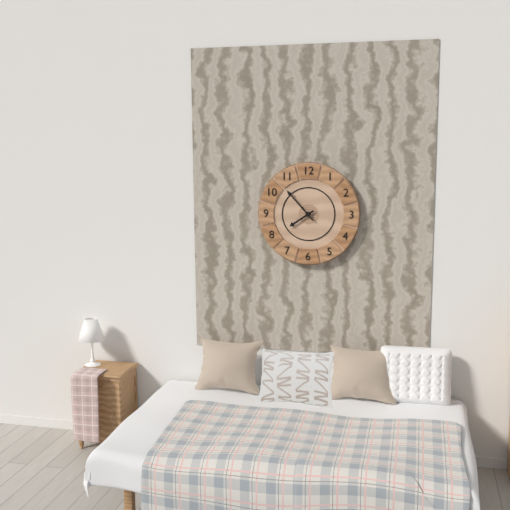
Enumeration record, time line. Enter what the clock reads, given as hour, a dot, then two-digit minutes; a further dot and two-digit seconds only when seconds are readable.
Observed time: 7.53
